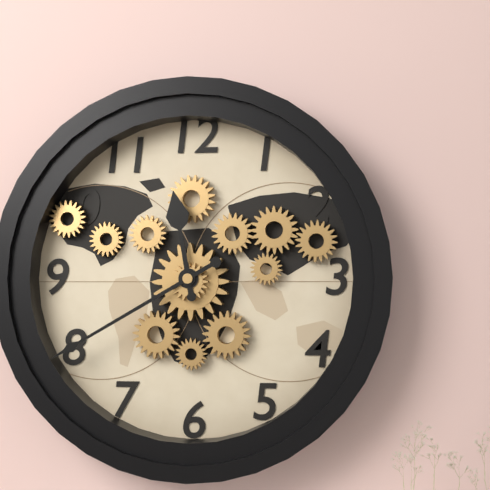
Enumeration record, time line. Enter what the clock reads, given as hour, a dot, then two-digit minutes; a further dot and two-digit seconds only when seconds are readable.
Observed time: 11.40
